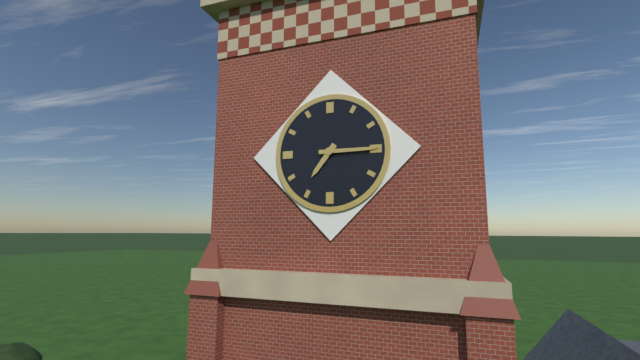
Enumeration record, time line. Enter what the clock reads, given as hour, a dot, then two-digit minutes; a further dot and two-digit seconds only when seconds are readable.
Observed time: 7.15
